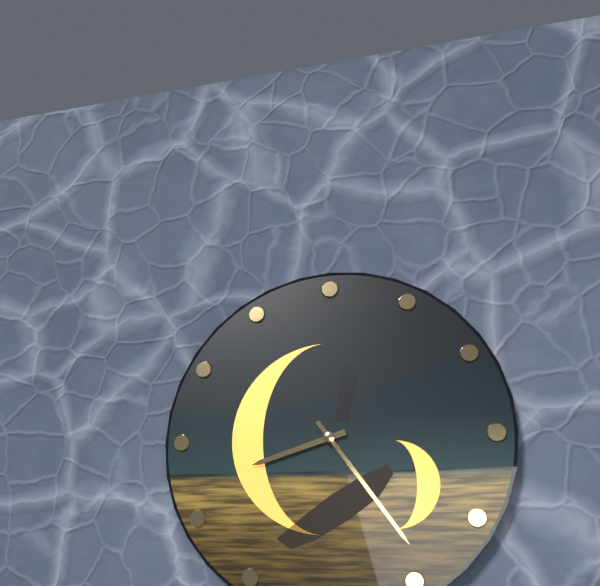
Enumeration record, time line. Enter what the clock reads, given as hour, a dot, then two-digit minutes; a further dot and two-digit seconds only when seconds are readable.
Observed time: 8.24
